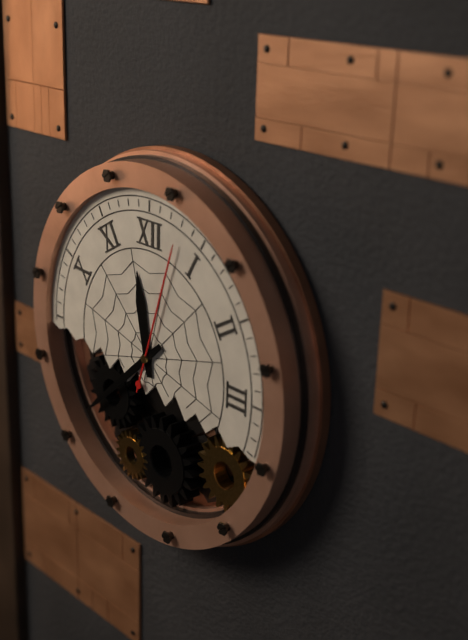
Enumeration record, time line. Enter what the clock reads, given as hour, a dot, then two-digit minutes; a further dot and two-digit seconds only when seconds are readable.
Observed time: 11.38.03
